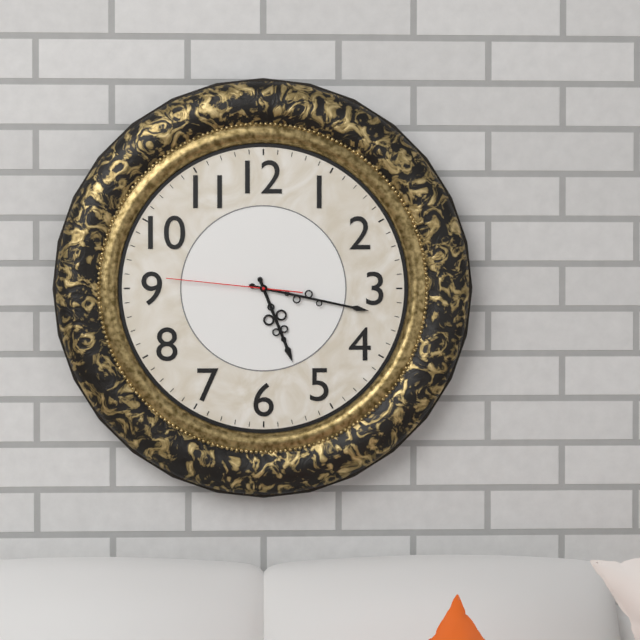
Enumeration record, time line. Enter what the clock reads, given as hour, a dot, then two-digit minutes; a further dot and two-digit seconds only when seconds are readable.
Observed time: 5.17.46
